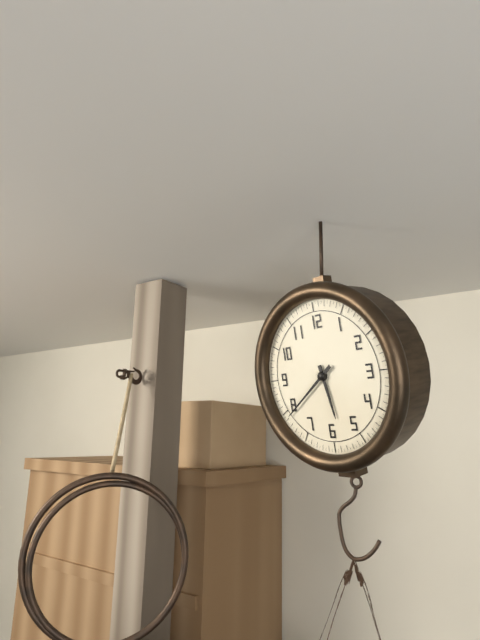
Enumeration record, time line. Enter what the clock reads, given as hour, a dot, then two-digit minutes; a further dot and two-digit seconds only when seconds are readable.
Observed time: 5.39
